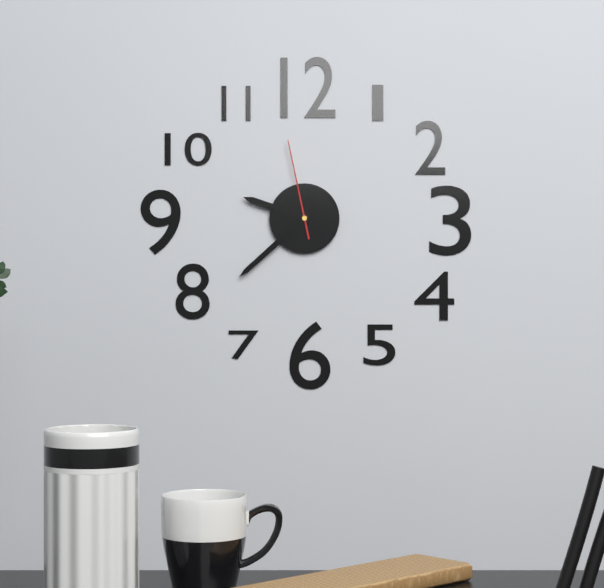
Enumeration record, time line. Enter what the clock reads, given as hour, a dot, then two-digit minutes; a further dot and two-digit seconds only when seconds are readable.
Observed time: 9.38.58
